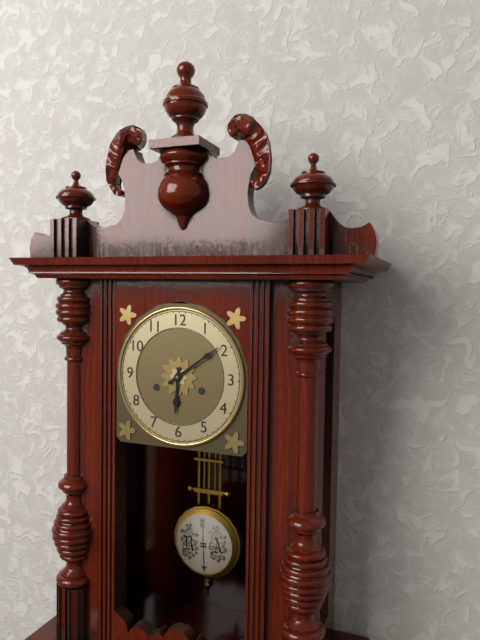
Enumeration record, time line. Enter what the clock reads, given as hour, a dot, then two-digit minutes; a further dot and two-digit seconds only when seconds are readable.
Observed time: 6.09
